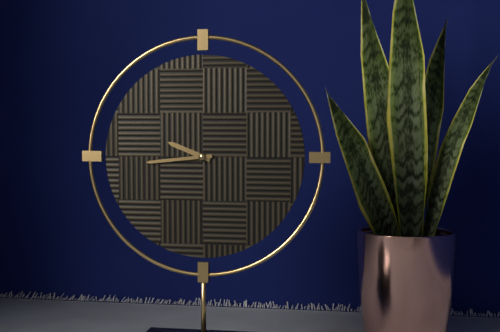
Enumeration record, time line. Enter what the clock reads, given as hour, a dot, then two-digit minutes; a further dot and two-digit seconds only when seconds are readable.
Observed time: 9.44
